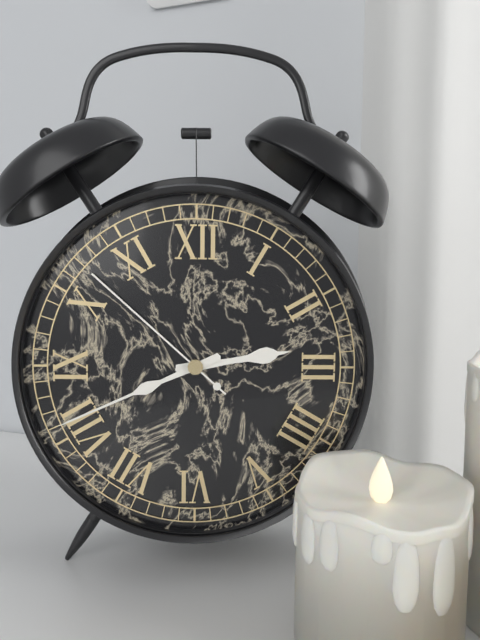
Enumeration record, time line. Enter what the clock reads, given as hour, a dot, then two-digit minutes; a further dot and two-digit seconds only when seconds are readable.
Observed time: 2.41.52
